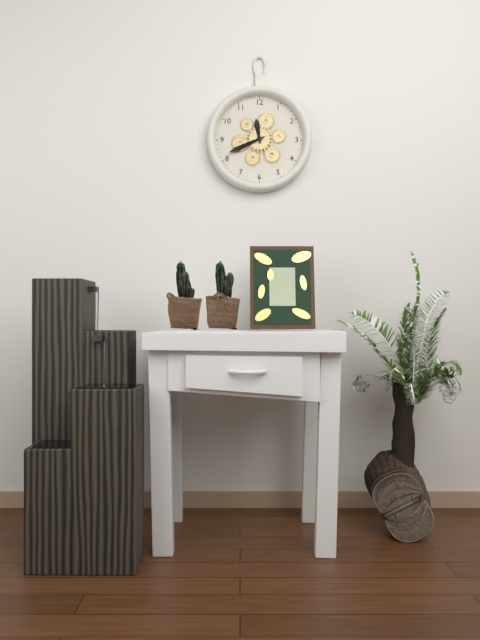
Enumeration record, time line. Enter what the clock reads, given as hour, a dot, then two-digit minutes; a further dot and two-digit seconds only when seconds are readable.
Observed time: 11.41
